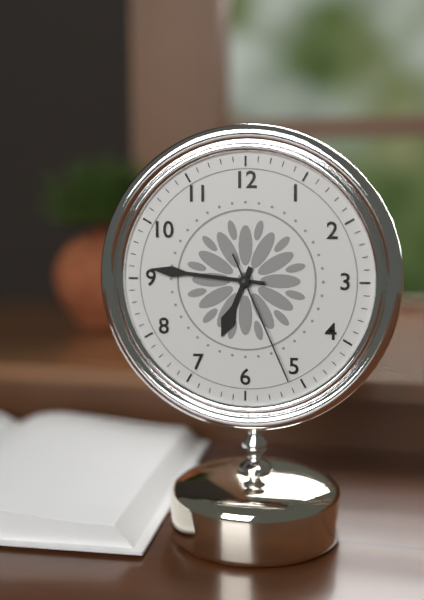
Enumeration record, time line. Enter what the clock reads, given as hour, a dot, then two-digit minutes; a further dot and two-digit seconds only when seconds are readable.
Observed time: 6.46.26
